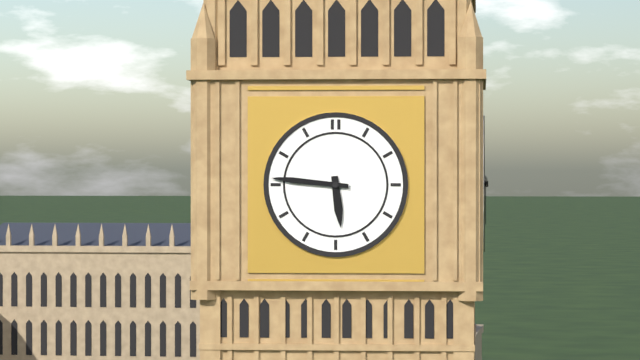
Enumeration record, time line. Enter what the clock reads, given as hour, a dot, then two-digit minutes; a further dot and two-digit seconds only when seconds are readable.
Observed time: 5.46
